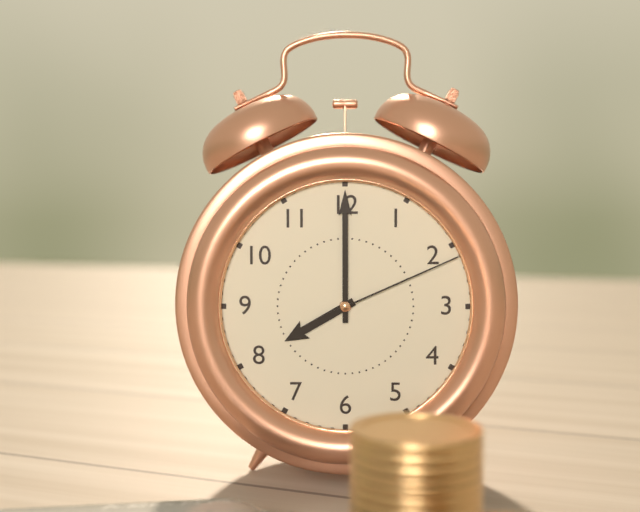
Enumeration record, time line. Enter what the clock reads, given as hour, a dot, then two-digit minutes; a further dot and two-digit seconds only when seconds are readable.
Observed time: 8.00.11
